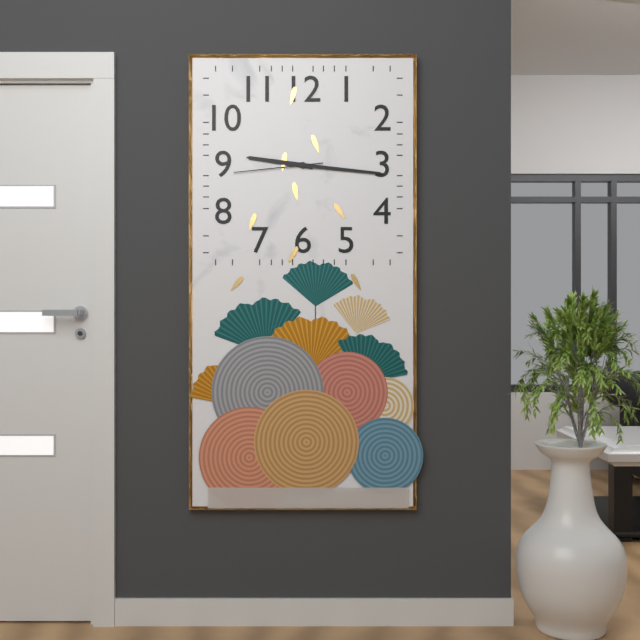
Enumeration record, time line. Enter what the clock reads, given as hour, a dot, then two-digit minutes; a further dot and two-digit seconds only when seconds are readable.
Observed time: 9.16.44
